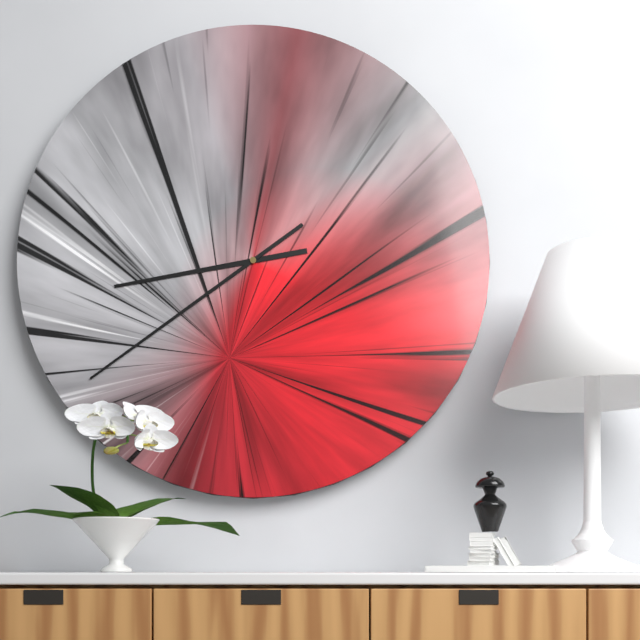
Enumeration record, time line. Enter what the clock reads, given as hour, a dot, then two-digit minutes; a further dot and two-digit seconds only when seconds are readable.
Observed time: 8.39
